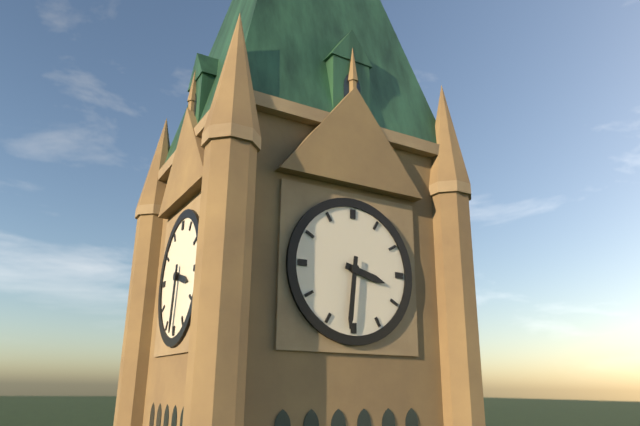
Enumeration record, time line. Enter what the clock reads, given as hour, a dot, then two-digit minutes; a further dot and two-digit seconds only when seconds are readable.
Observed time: 3.31
